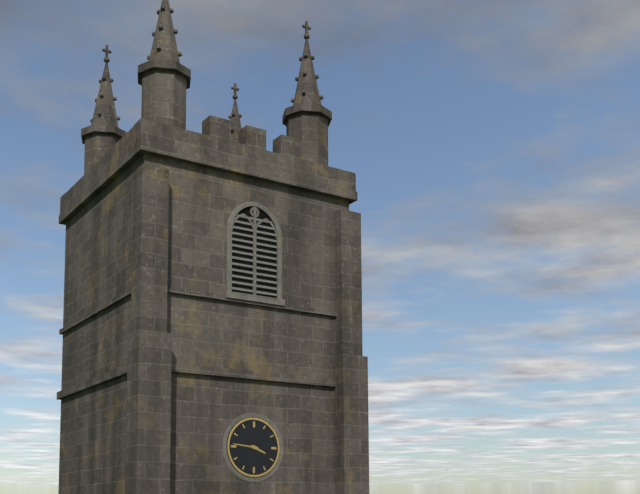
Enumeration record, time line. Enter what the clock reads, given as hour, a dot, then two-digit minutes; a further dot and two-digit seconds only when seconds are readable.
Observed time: 3.46
